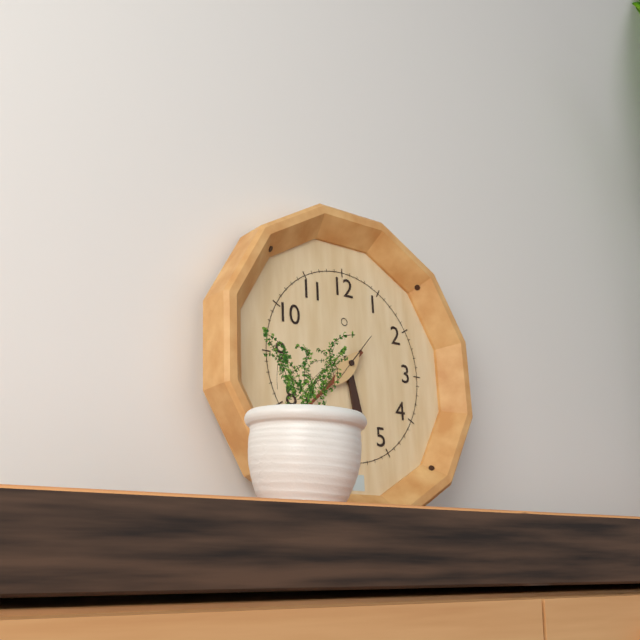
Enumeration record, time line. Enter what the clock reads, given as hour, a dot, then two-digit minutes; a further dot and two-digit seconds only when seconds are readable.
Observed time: 5.38.07
